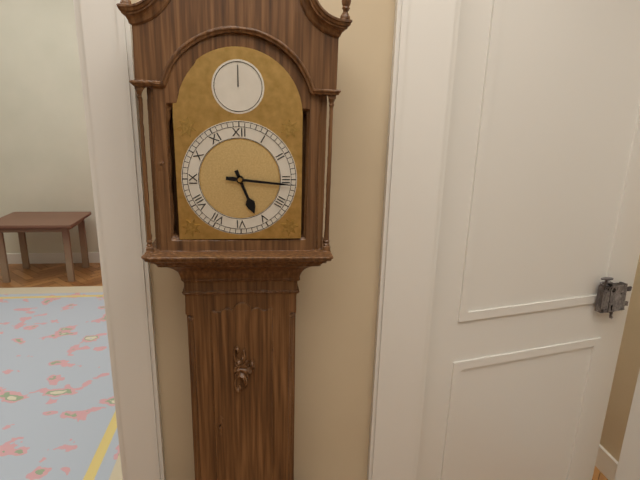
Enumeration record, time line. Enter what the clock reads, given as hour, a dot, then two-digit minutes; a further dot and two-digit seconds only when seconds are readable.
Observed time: 5.16
